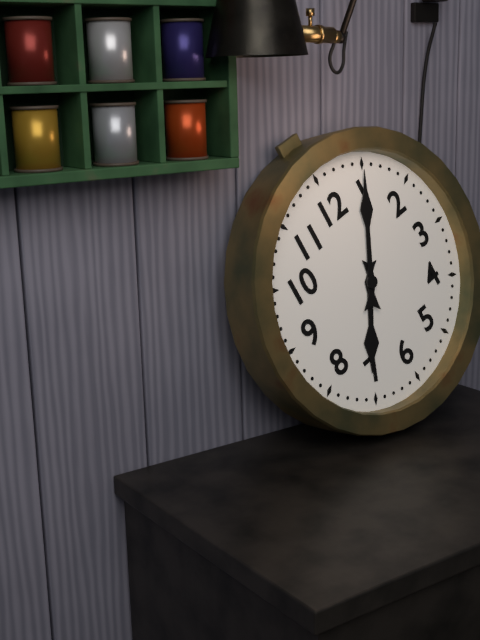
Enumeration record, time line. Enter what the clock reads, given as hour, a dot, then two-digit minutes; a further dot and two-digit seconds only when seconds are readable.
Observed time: 7.05
